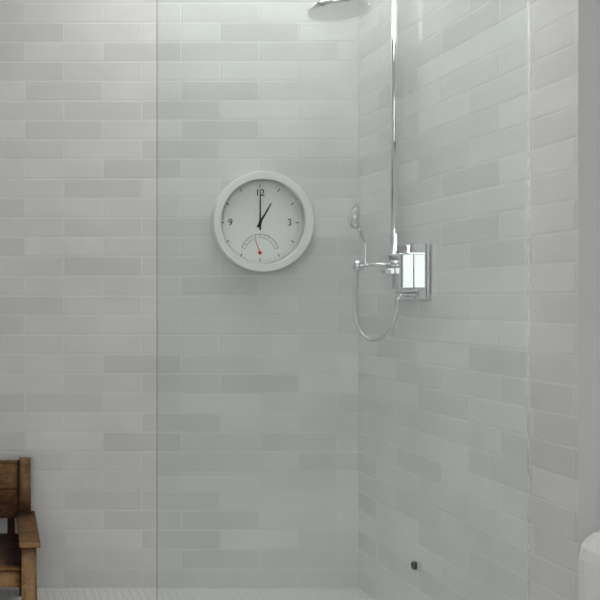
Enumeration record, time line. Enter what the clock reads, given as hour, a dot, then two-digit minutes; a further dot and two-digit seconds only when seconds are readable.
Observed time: 1.00
